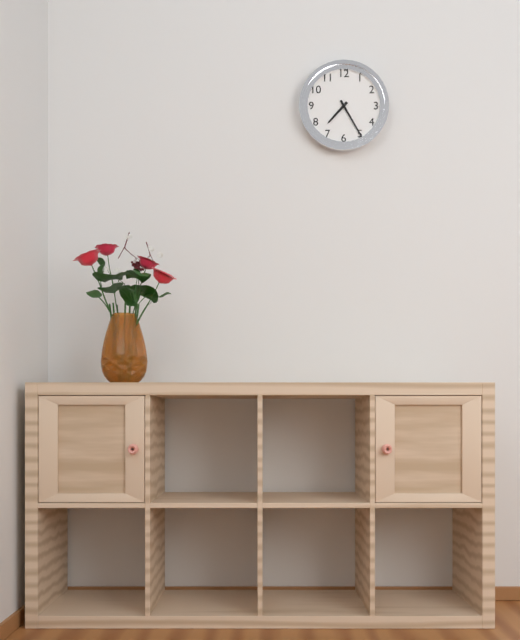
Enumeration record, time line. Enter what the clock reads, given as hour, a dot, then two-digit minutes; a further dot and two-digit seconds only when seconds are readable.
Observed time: 7.25
